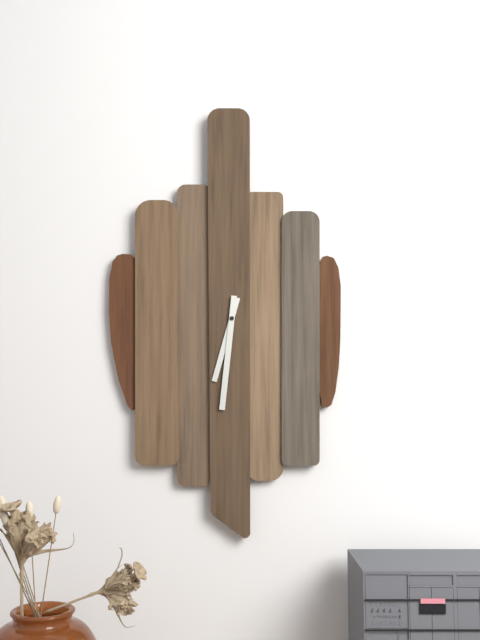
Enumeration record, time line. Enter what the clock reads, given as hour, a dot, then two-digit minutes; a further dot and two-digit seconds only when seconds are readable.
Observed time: 6.31
